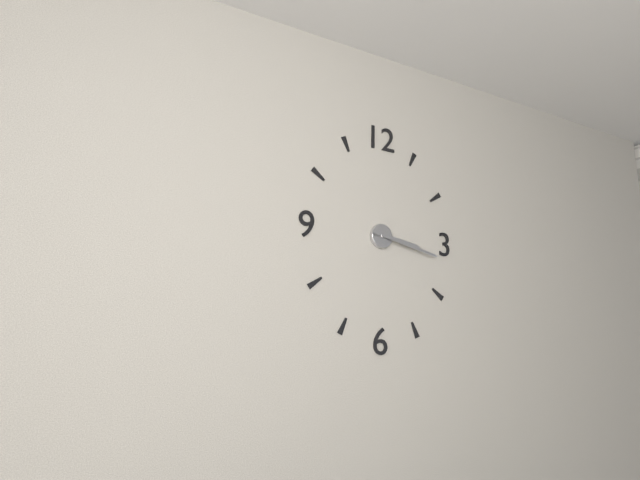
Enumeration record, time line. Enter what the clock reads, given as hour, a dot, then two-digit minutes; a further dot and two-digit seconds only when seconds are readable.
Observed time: 3.17
